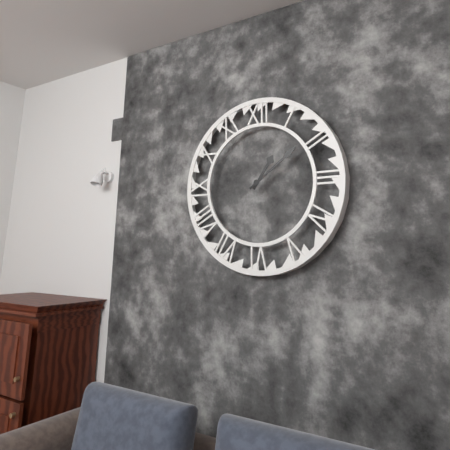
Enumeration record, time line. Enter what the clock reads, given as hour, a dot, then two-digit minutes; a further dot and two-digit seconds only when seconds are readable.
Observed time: 1.09
